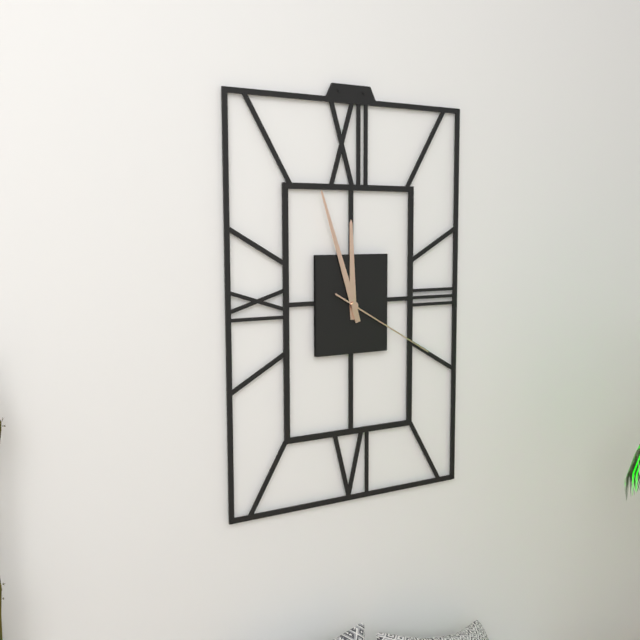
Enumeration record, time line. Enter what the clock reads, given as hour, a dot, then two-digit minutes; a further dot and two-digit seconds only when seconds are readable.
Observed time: 11.57.20
